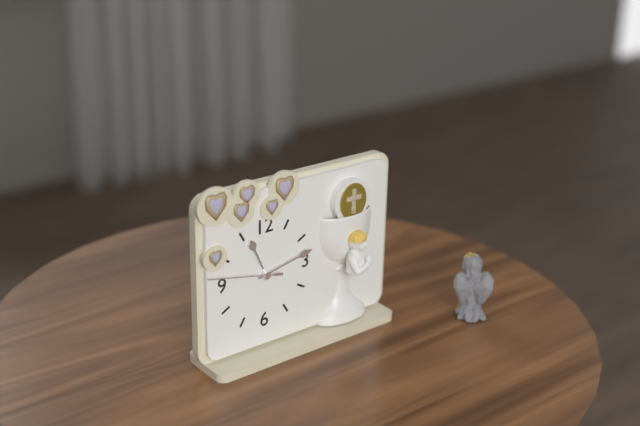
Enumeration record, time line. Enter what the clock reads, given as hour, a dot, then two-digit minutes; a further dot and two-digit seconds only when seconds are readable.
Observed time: 11.13.47
